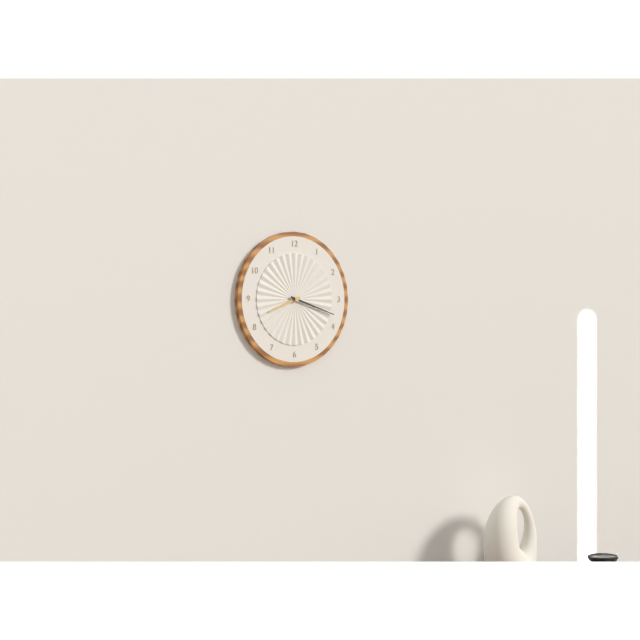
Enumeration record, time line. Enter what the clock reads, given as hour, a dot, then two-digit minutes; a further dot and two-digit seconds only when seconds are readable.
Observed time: 8.18
